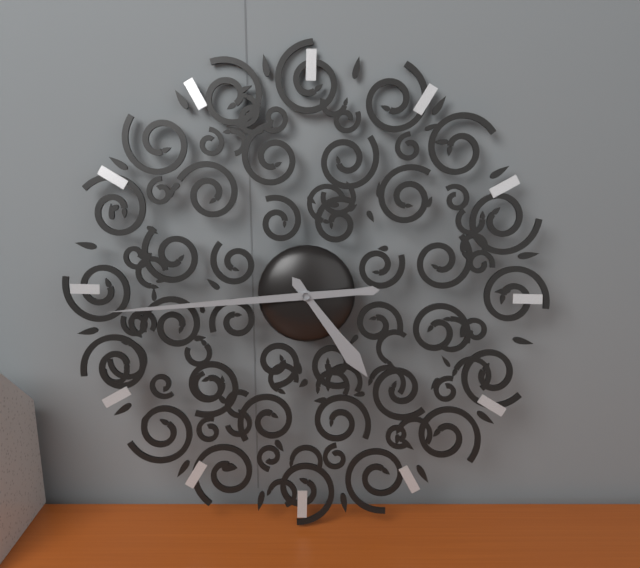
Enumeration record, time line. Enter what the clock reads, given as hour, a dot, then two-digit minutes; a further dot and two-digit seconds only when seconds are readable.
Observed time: 4.44
